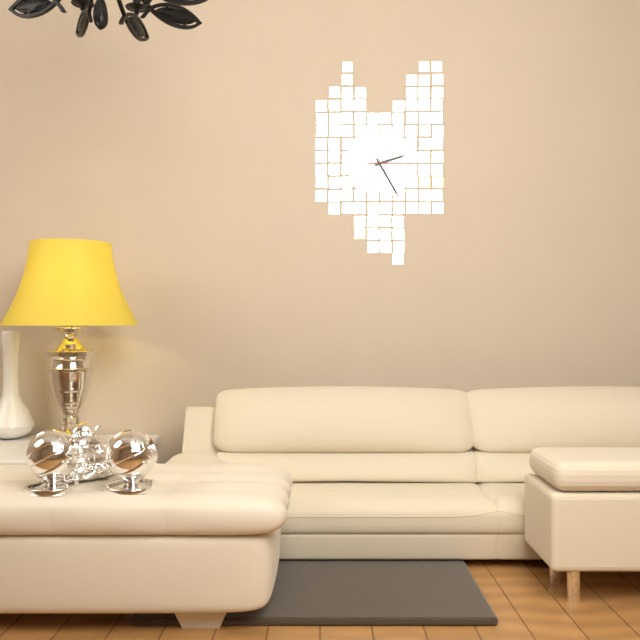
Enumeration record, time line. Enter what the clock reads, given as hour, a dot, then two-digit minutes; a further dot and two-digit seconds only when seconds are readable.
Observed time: 2.25
